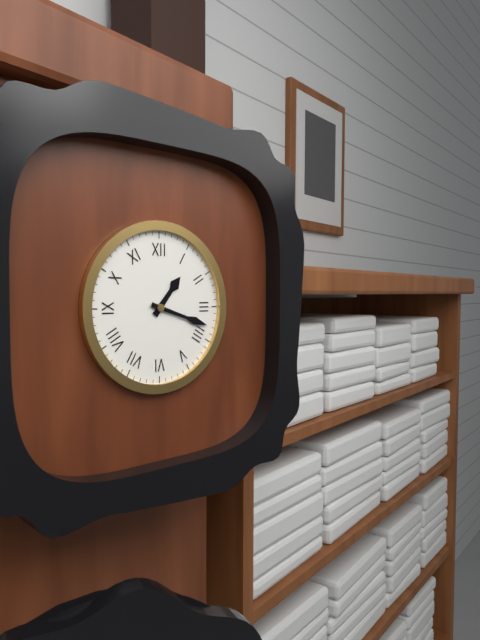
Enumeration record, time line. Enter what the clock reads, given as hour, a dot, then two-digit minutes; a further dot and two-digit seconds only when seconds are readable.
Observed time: 1.18
